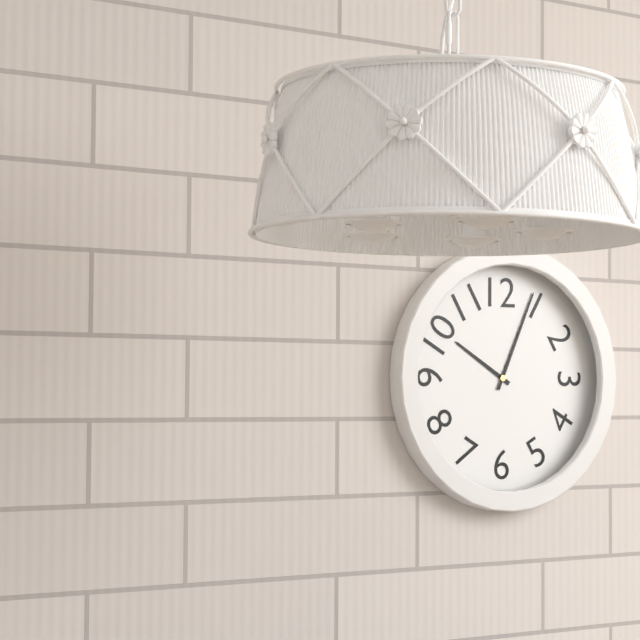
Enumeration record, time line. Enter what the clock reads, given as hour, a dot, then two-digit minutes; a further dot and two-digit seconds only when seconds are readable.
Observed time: 10.04
